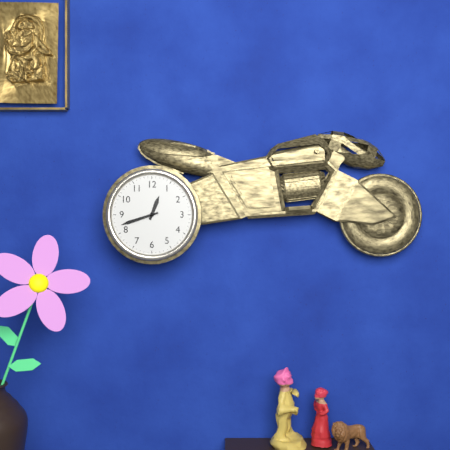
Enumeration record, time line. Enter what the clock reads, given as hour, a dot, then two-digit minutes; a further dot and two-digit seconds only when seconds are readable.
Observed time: 12.42
